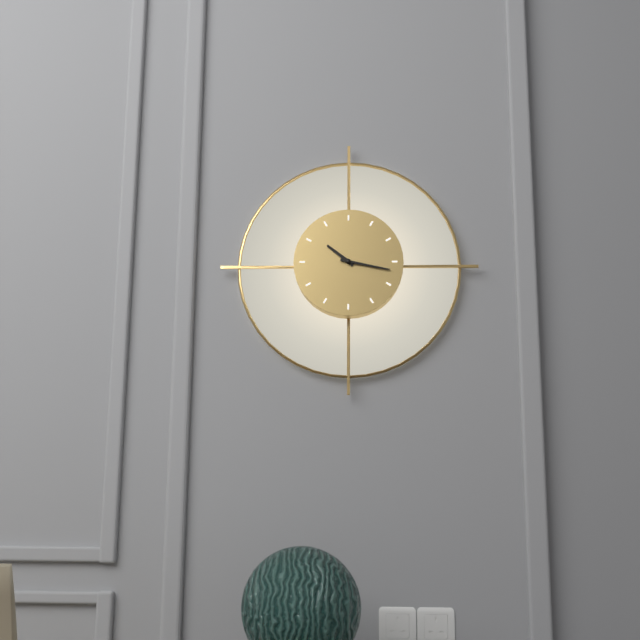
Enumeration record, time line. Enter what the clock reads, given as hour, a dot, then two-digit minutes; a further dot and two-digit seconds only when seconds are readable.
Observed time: 10.17
